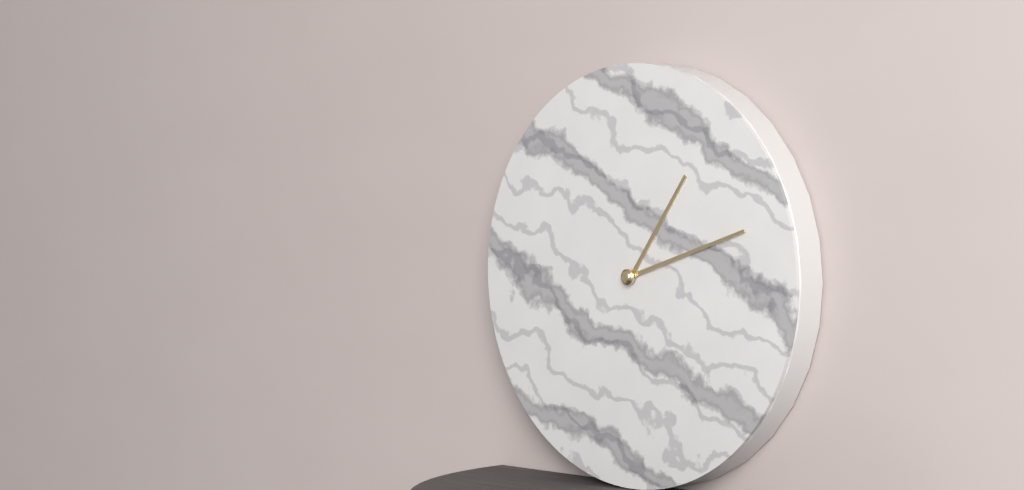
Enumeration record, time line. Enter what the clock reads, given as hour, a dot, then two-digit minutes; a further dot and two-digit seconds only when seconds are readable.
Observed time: 1.12
